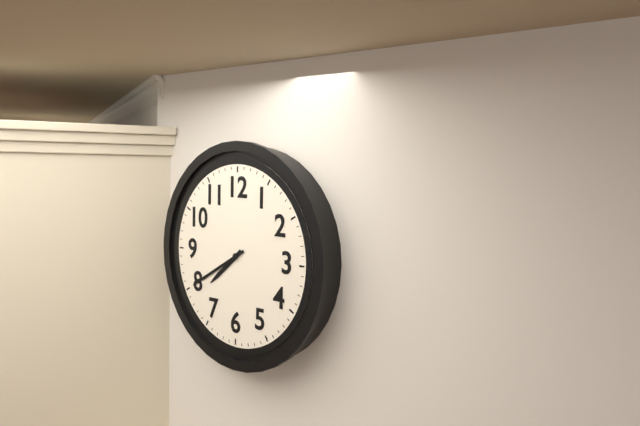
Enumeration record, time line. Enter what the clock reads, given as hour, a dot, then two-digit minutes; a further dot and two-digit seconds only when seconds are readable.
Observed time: 7.40
